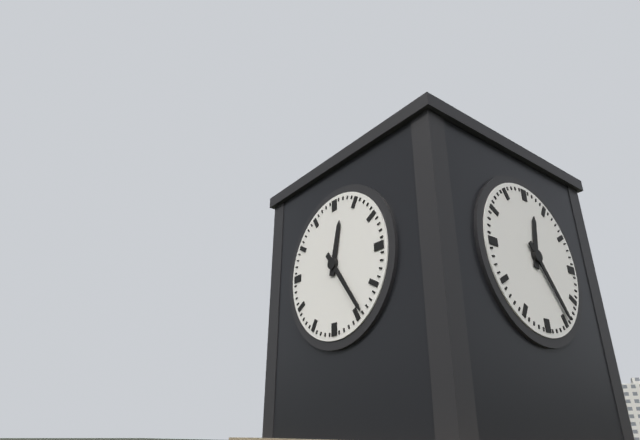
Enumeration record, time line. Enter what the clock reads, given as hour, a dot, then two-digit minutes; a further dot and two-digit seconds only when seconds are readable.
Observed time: 12.24
